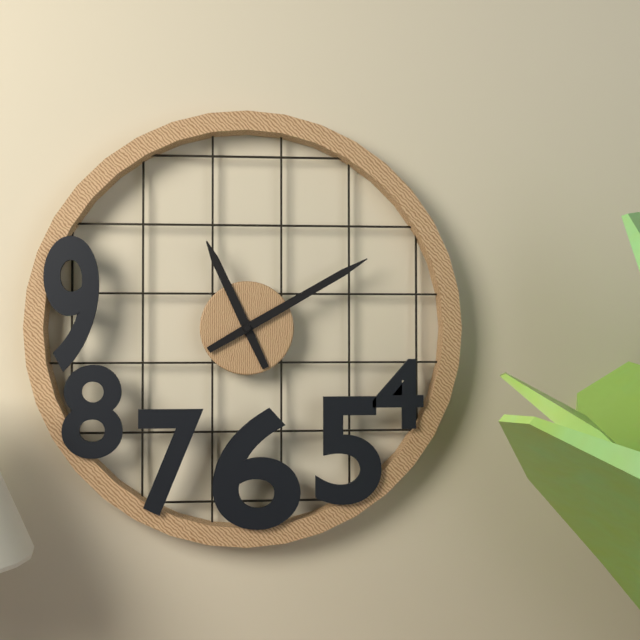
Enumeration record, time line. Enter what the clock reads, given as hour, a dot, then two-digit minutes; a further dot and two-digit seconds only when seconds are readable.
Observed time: 11.10
